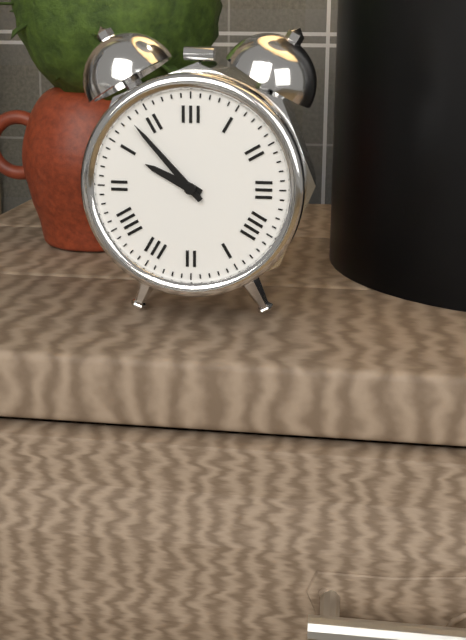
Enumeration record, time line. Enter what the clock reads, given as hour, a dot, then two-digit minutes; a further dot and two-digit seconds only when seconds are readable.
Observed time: 9.53
